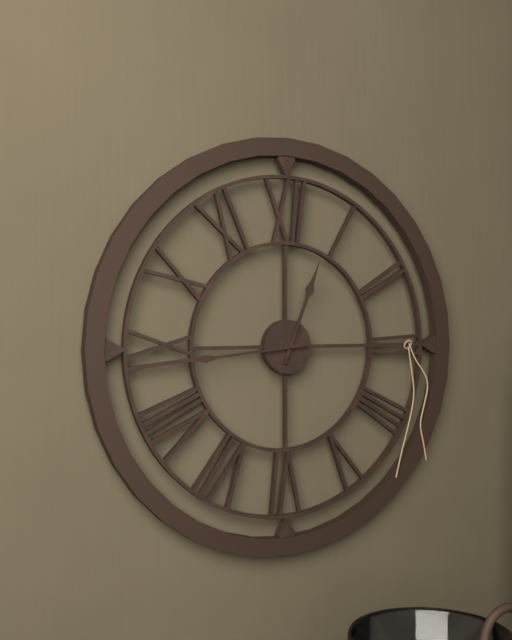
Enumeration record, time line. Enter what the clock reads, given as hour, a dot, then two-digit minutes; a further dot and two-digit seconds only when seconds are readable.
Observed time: 12.44
